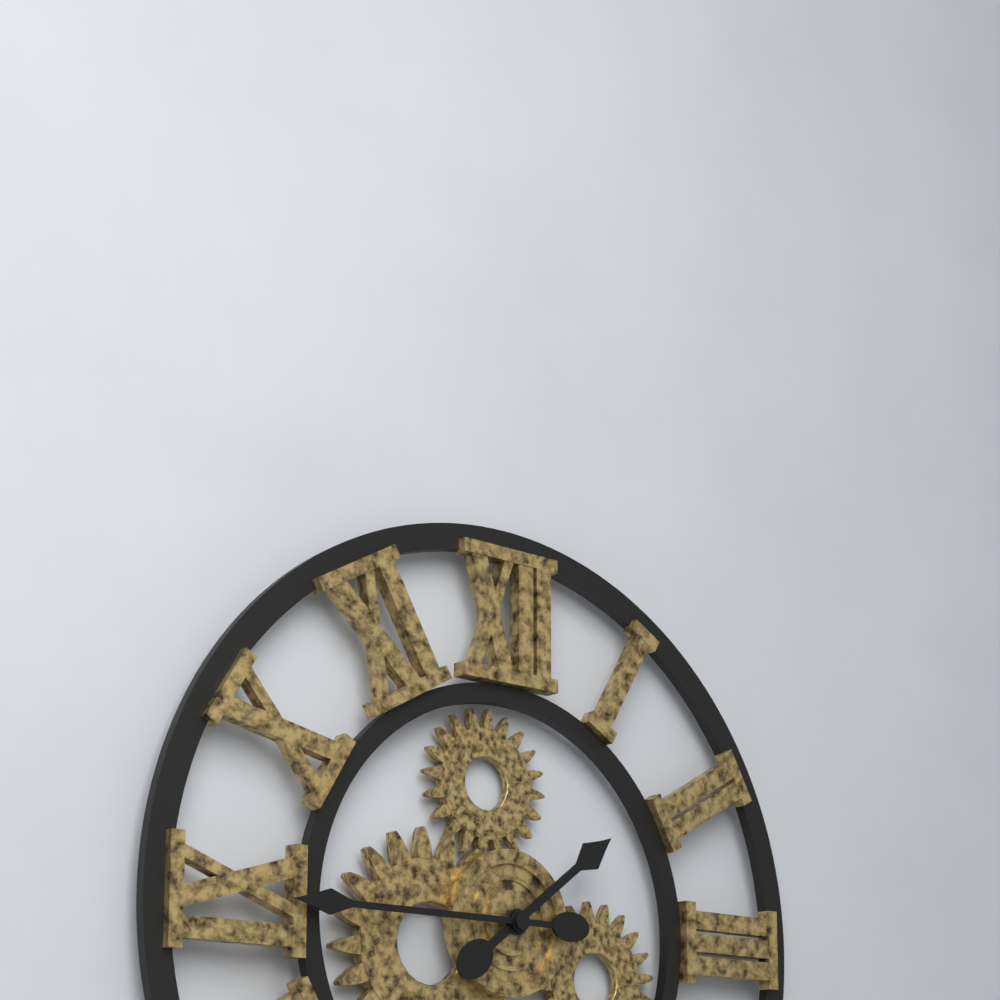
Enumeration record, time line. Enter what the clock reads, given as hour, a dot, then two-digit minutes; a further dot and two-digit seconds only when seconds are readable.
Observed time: 1.45
